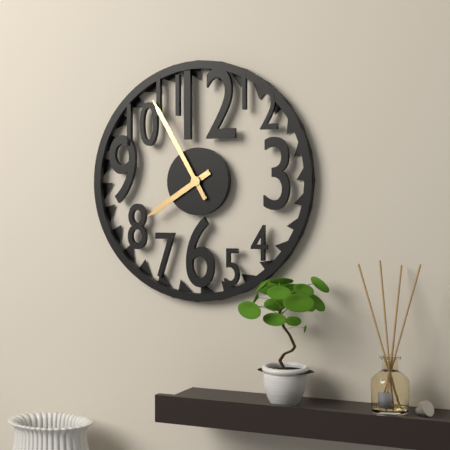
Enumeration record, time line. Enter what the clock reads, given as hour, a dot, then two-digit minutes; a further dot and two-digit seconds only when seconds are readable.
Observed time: 7.55
